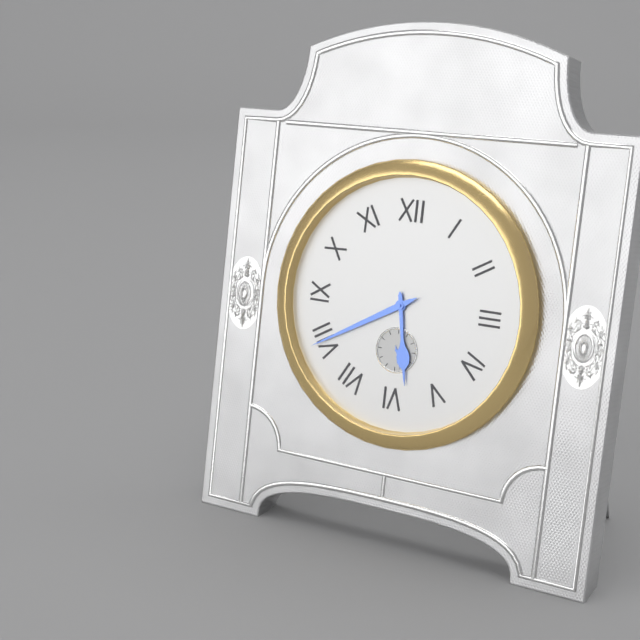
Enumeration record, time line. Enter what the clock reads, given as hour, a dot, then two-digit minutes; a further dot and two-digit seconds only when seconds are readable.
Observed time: 5.40
